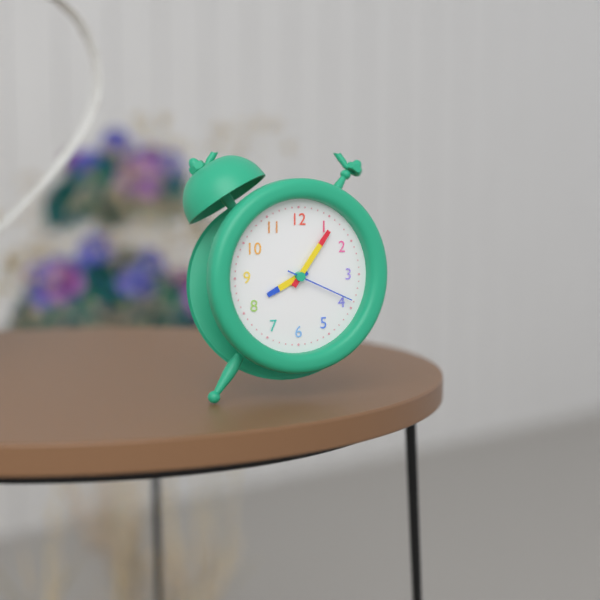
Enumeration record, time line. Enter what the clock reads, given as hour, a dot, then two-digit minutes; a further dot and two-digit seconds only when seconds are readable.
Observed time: 8.06.19
